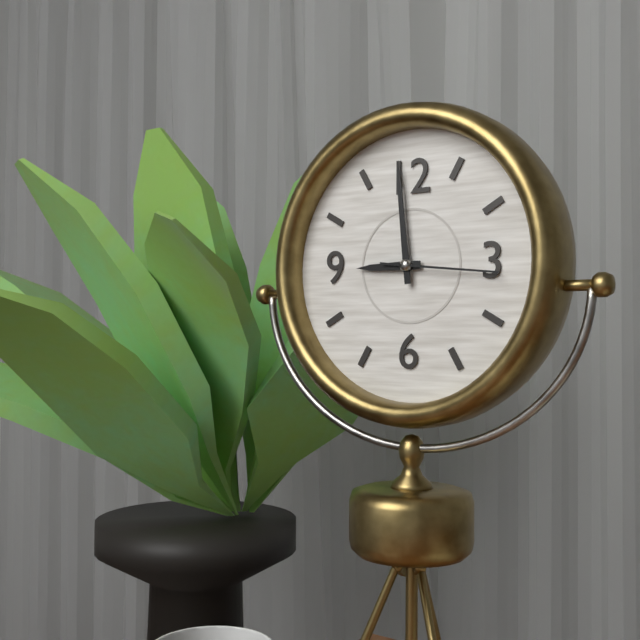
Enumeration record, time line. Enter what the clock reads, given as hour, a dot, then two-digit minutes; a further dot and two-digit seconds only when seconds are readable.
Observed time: 8.59.16
